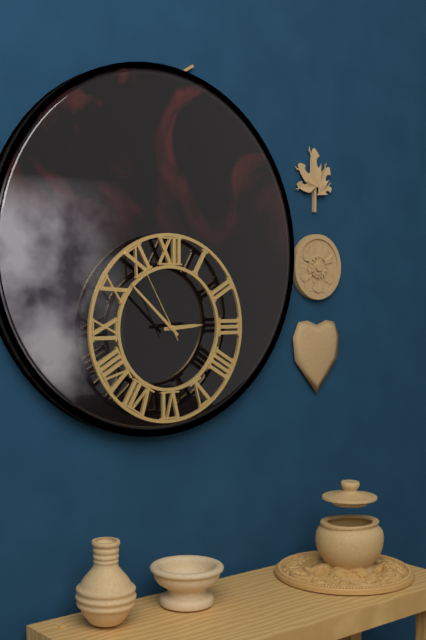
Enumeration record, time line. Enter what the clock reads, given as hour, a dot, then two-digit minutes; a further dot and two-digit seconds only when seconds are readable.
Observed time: 2.52.55
